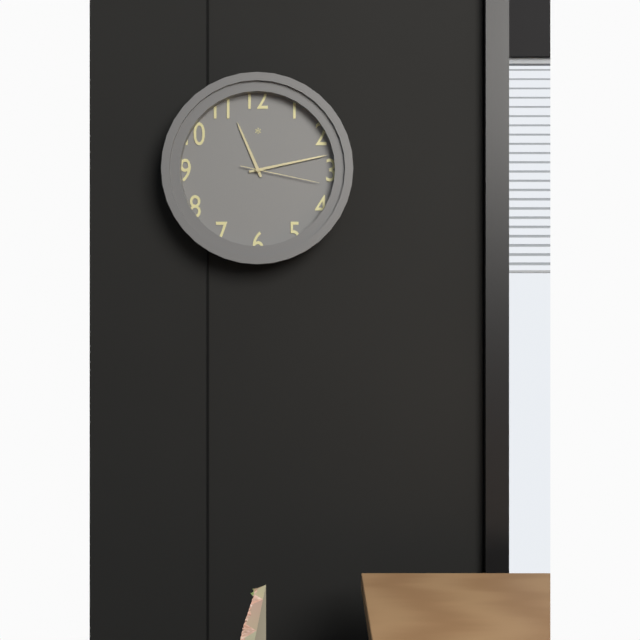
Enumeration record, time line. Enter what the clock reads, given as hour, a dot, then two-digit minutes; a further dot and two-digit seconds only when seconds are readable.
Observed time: 11.13.17
